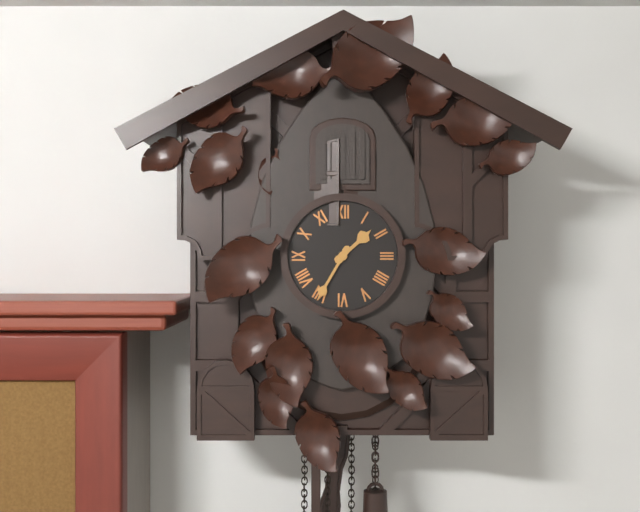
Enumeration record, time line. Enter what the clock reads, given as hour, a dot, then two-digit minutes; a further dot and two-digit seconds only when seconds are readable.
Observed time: 1.35
